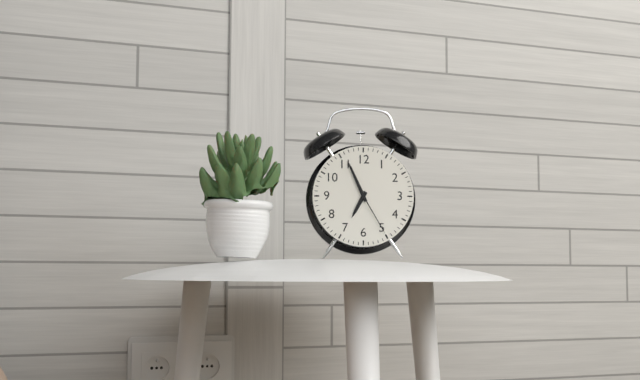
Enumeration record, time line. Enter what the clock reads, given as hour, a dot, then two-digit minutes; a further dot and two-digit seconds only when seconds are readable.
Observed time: 6.56.25
